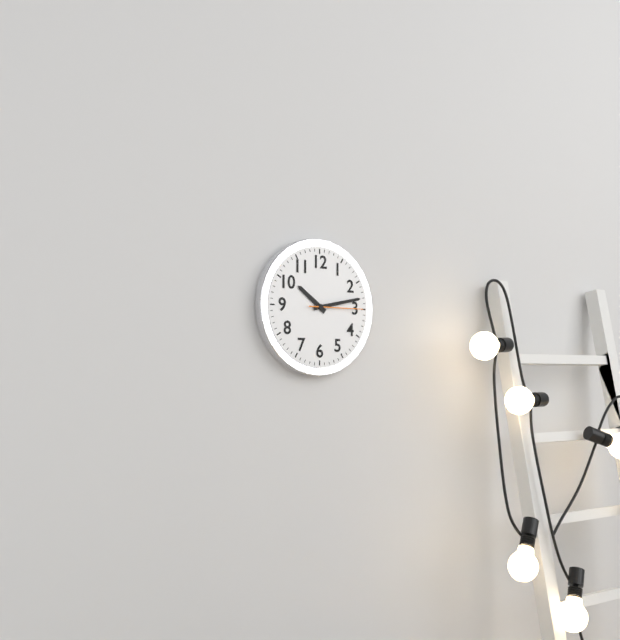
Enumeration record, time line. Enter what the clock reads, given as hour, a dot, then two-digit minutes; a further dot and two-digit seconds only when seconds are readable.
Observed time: 10.13.15
